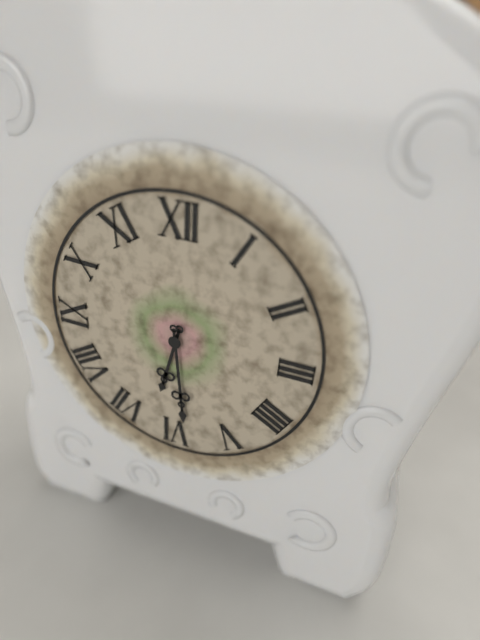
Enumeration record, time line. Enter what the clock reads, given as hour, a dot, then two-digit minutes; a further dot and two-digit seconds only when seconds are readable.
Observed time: 6.29
